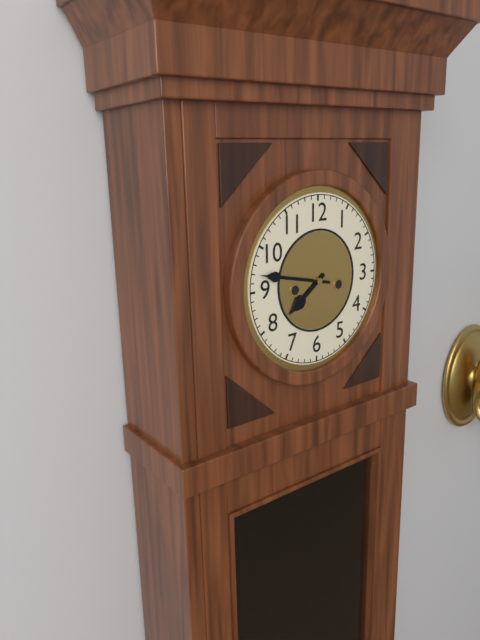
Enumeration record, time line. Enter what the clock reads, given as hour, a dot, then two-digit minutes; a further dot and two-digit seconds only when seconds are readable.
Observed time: 7.47
